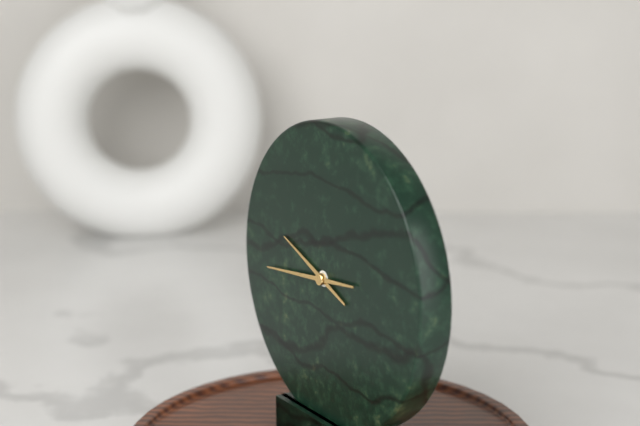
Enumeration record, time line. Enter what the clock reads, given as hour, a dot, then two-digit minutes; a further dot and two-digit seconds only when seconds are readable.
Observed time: 9.44
